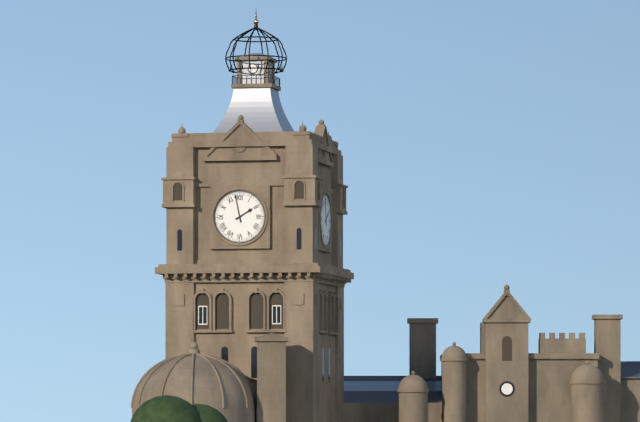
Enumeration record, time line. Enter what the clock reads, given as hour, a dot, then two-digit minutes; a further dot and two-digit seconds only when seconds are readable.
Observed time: 1.58
